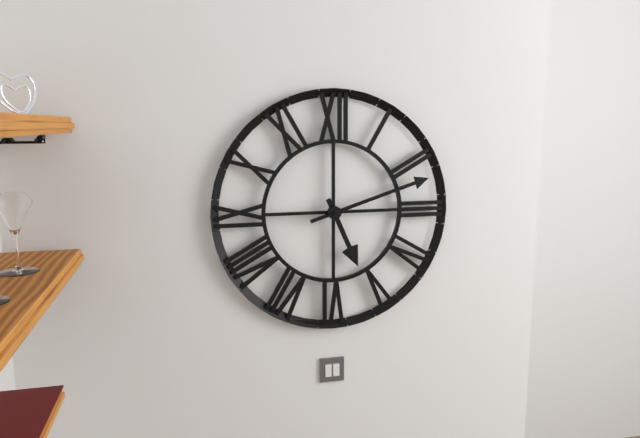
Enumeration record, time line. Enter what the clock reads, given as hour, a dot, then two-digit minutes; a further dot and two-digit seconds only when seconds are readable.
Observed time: 5.12
